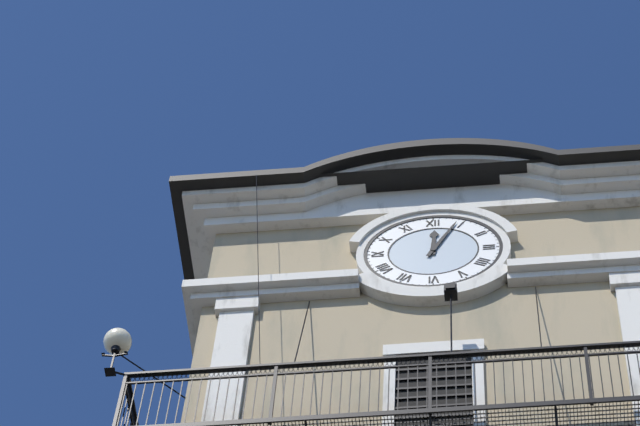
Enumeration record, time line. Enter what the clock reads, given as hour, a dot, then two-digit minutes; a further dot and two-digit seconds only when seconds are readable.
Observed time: 12.04
